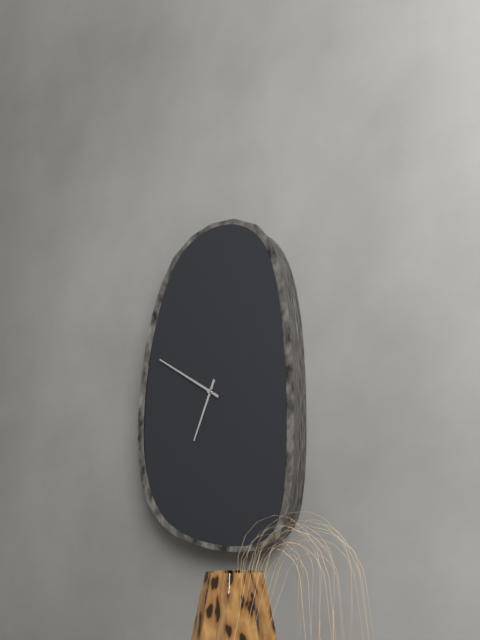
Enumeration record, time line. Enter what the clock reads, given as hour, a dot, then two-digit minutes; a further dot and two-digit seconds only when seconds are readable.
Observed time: 6.50
